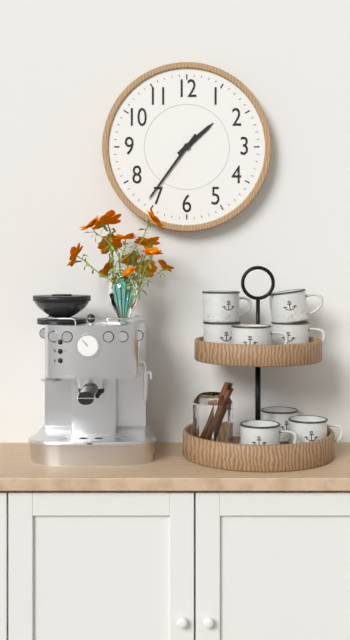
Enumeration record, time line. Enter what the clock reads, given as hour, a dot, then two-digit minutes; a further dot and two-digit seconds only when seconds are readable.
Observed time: 1.36
